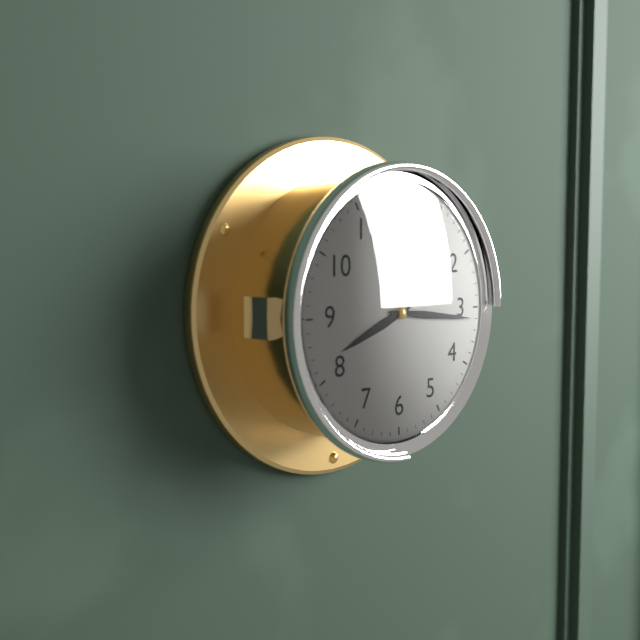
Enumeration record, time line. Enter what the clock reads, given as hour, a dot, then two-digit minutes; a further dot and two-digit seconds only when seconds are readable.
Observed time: 8.16
